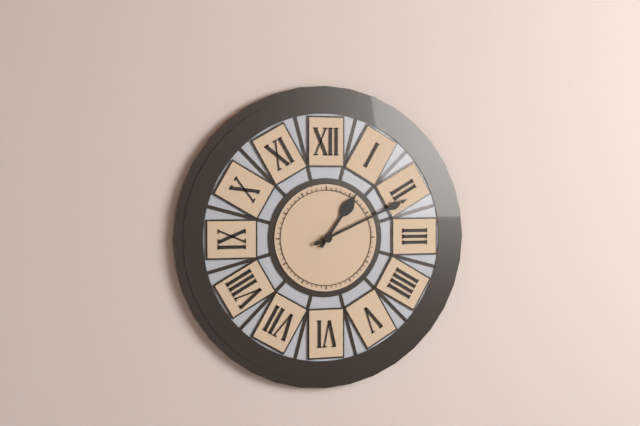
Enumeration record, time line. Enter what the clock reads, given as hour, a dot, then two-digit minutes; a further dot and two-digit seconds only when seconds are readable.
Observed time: 1.11
